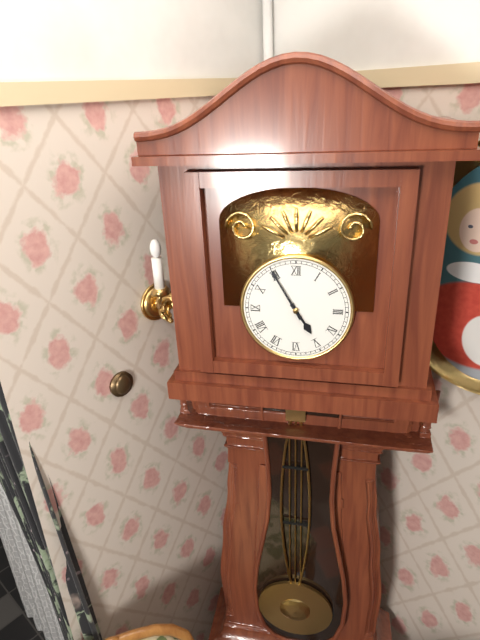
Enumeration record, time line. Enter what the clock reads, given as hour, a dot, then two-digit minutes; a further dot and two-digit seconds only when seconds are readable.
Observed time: 4.55
